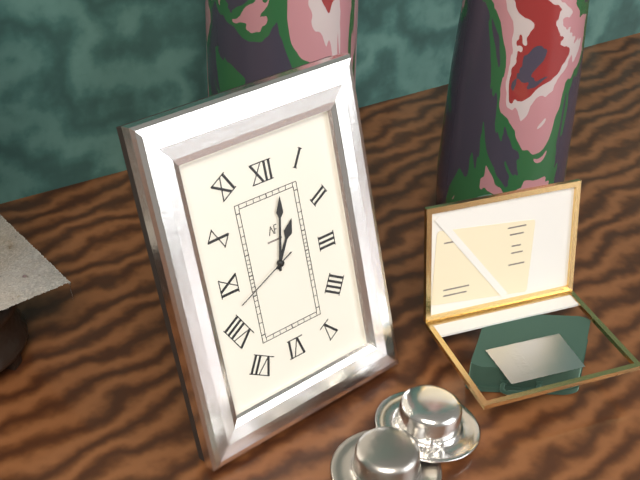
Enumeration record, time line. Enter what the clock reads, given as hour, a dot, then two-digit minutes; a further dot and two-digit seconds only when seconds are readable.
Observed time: 1.02.41
